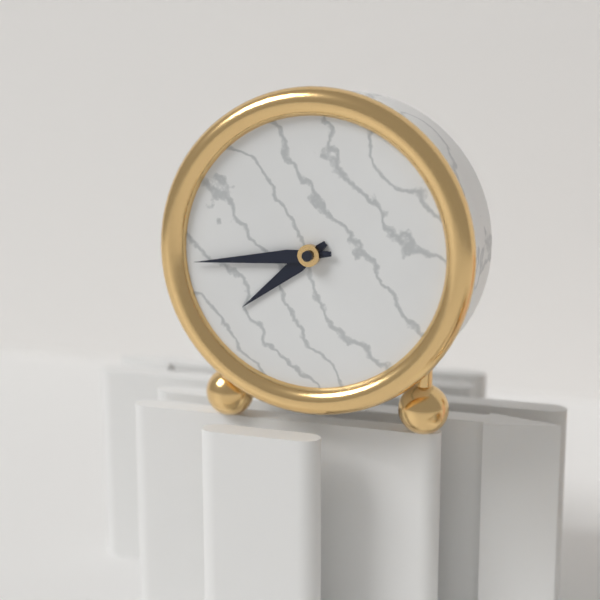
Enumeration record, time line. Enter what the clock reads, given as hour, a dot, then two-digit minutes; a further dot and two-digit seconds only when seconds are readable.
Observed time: 7.44
